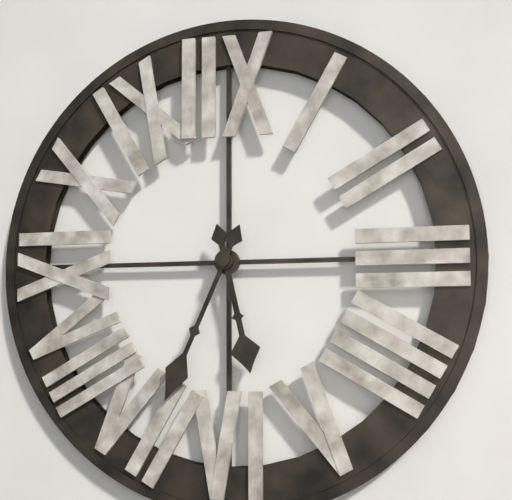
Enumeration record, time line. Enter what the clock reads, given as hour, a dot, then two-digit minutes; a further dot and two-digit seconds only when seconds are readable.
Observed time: 5.34
